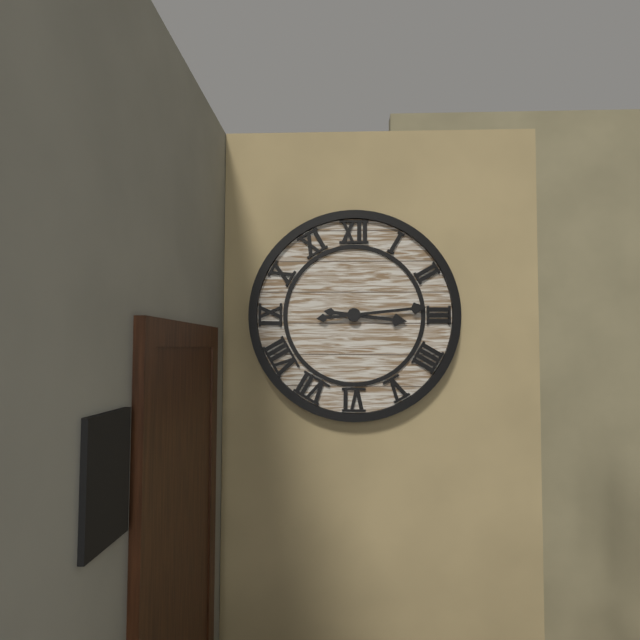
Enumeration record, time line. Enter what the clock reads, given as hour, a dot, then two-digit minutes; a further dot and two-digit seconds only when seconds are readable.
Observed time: 3.14
